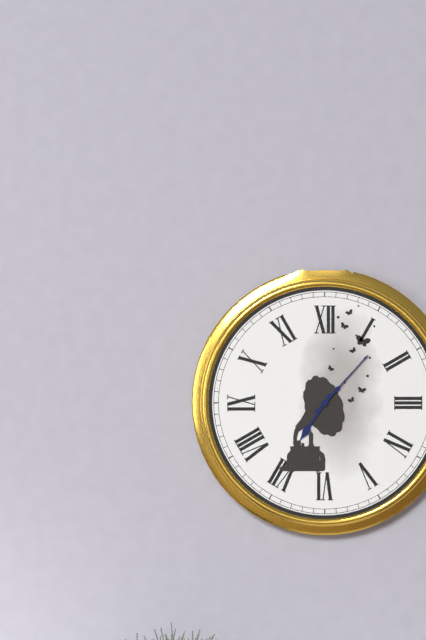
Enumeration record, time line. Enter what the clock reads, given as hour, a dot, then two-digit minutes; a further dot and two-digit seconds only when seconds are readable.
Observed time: 7.07
